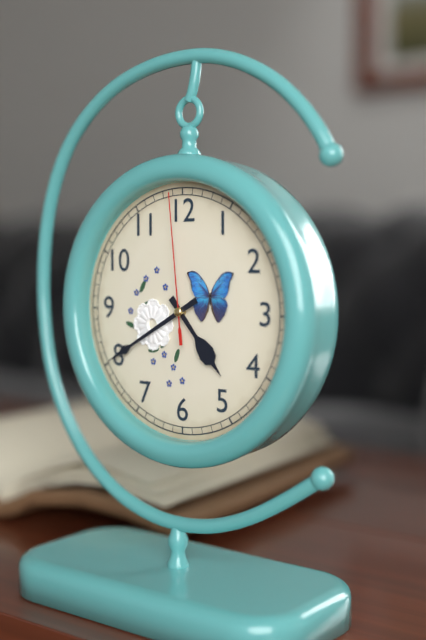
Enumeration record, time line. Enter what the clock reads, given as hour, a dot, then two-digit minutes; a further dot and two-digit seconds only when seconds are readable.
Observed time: 4.40.59
